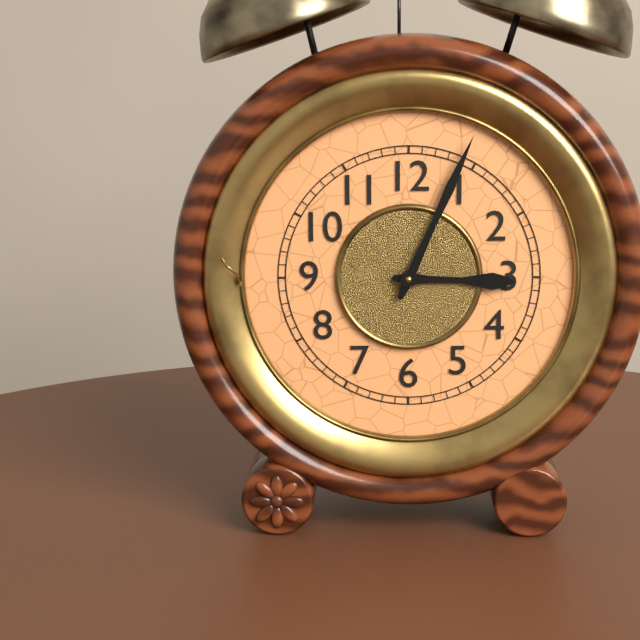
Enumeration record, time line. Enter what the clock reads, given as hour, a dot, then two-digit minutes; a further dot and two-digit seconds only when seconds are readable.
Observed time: 3.04
